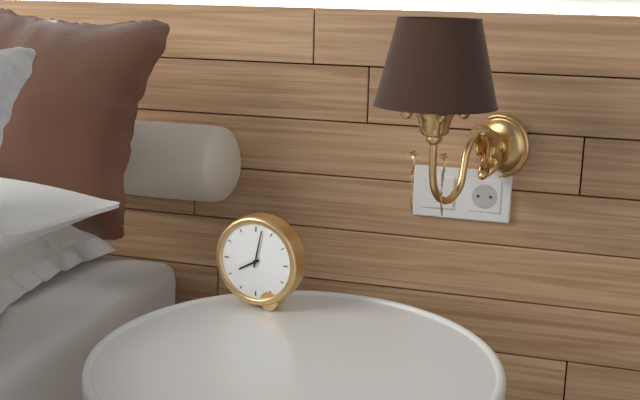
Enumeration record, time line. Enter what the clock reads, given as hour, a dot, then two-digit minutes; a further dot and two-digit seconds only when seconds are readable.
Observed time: 8.02
